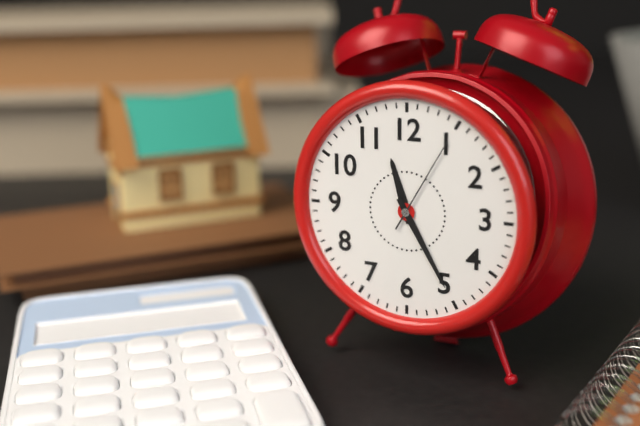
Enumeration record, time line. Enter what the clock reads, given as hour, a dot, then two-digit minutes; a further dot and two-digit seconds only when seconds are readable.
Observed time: 11.25.05
